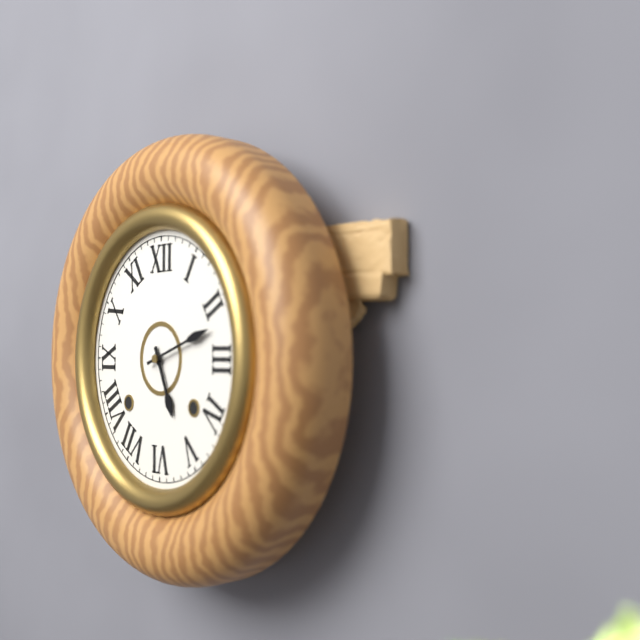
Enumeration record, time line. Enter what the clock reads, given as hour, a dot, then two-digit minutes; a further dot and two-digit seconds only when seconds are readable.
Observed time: 5.12
